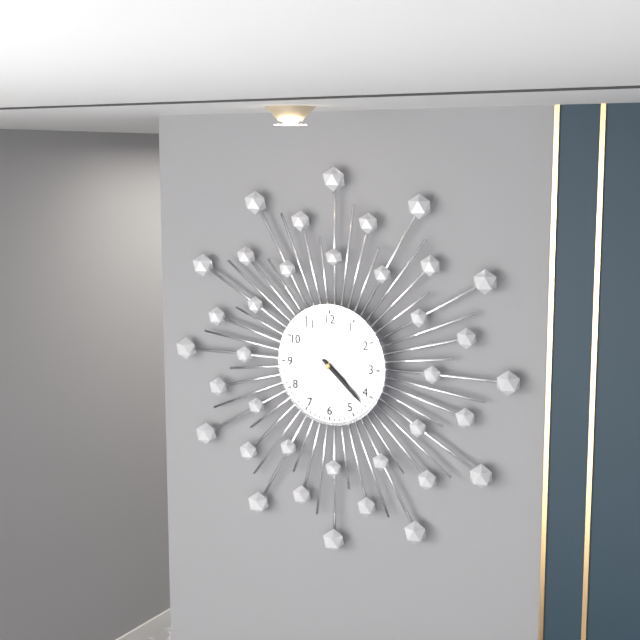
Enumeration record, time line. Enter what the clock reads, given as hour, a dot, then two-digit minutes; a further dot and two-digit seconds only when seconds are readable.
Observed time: 4.22.33
